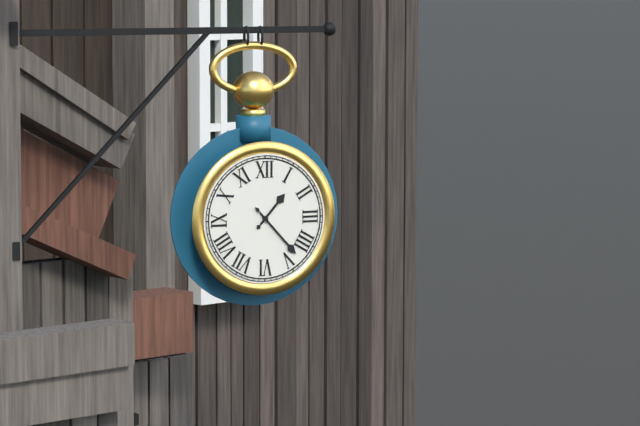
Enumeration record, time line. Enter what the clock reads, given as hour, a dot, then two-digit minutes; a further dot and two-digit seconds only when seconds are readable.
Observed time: 1.23
